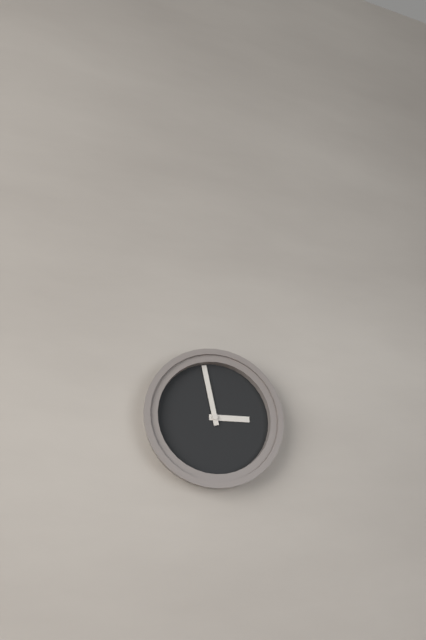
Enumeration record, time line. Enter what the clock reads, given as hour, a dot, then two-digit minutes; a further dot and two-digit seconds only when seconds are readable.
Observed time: 2.58
